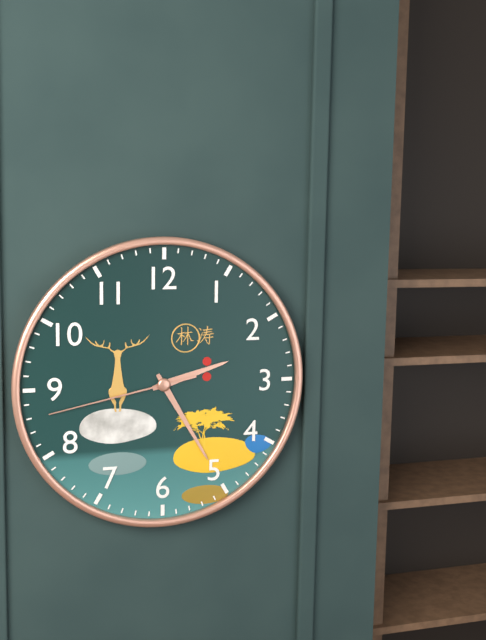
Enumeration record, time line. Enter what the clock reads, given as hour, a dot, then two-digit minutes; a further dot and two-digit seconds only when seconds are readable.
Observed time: 2.25.43
